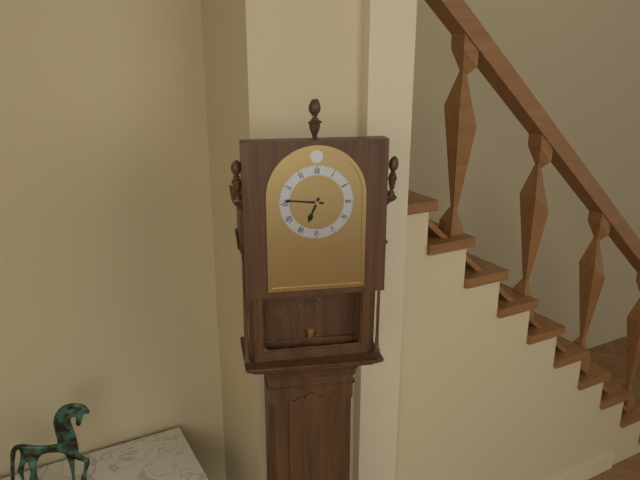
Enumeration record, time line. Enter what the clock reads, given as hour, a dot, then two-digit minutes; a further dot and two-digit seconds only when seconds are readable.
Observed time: 6.46
